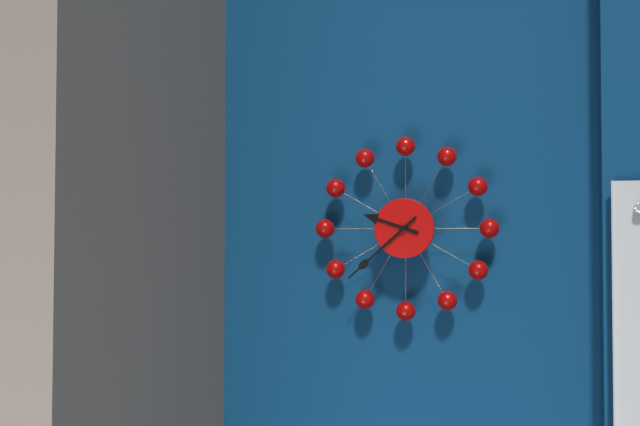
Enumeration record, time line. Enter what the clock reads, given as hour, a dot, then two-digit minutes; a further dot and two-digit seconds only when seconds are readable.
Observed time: 9.38
